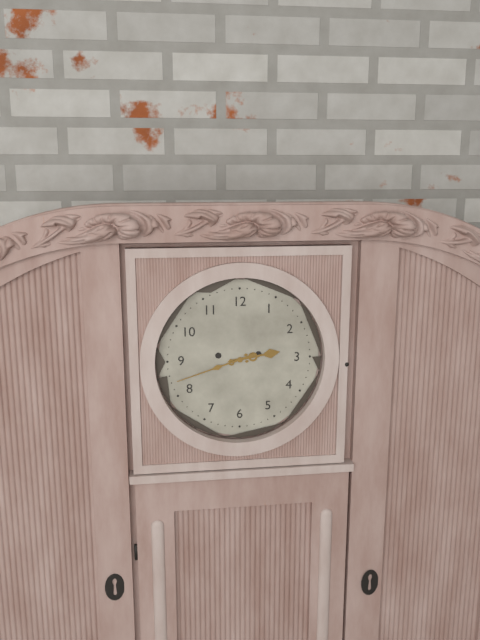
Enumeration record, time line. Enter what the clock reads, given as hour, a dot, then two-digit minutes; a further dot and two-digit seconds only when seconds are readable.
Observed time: 2.42
